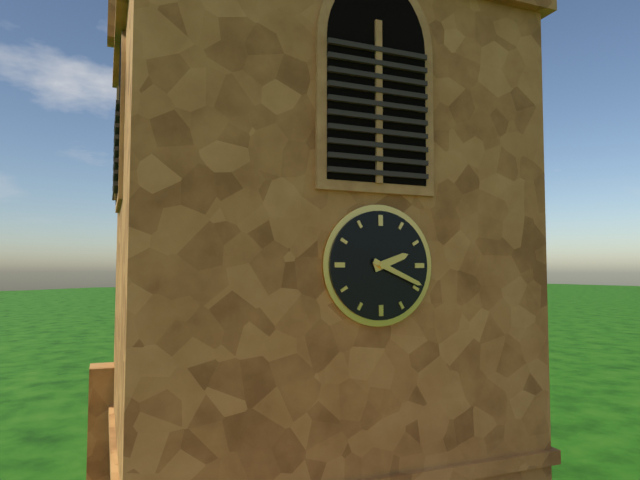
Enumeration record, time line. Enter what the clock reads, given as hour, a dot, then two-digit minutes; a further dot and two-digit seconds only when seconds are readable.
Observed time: 2.19
